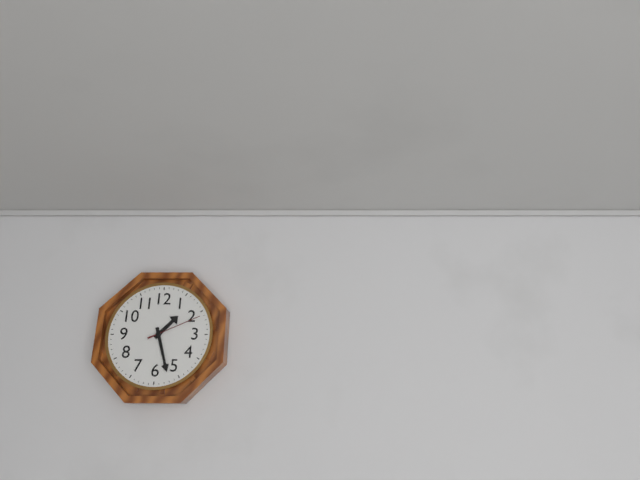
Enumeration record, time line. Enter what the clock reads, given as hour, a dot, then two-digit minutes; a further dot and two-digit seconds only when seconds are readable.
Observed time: 1.27
